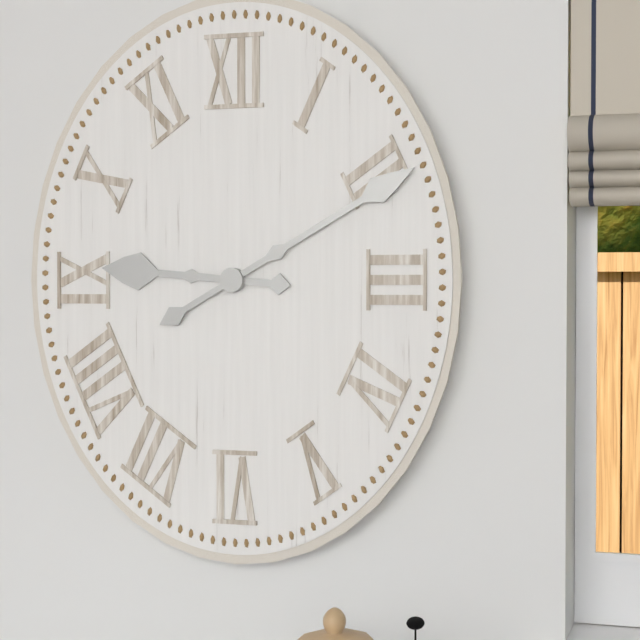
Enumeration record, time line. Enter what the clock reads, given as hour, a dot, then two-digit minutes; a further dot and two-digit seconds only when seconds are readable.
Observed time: 9.10
